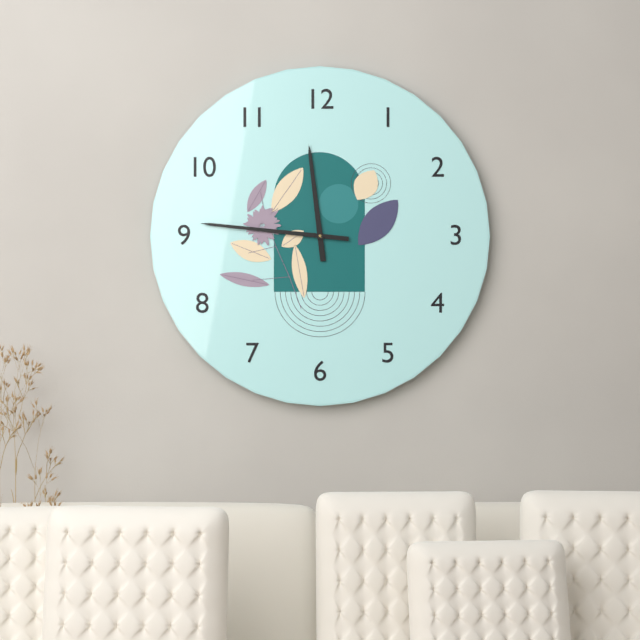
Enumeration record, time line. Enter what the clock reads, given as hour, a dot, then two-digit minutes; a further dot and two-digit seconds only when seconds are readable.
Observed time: 11.46
